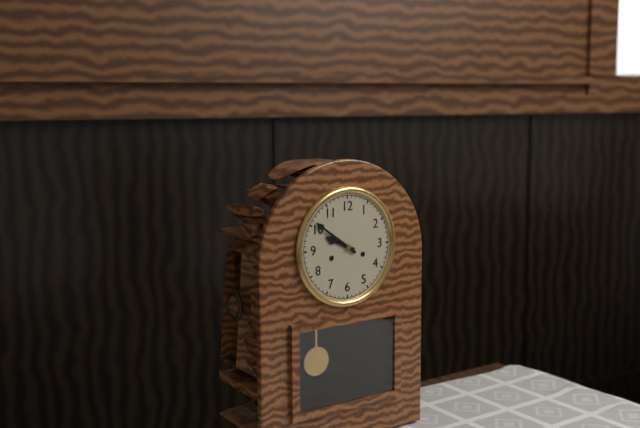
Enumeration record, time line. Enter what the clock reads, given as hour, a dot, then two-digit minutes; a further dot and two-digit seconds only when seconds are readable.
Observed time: 9.51
